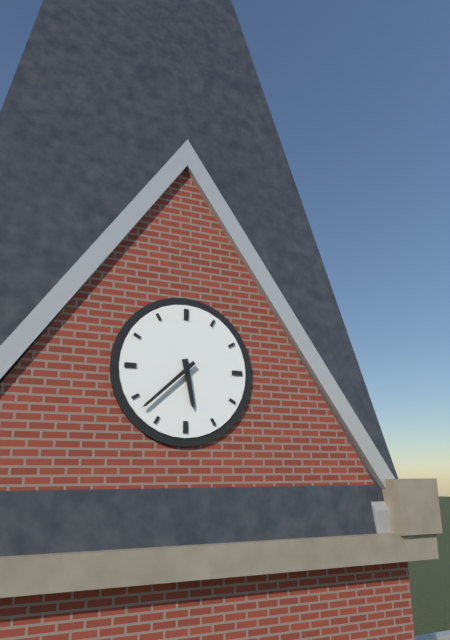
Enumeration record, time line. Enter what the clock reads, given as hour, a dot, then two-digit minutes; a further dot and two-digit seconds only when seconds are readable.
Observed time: 5.38
